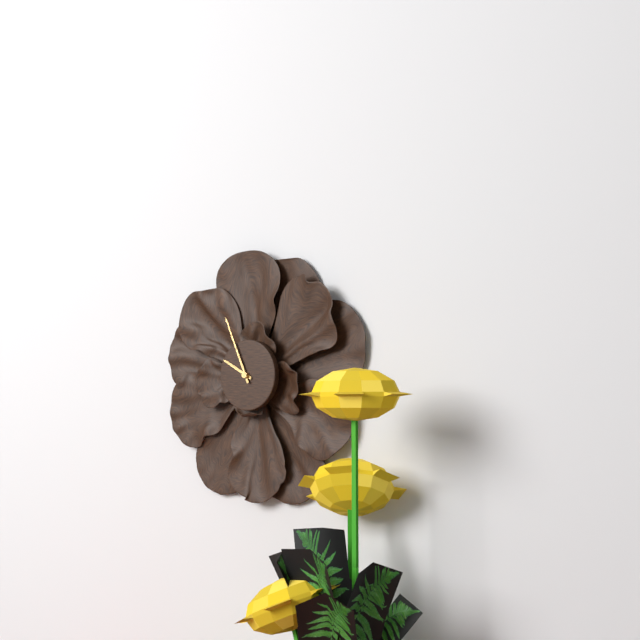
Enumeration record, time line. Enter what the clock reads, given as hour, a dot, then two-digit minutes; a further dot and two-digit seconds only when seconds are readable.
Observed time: 9.56
